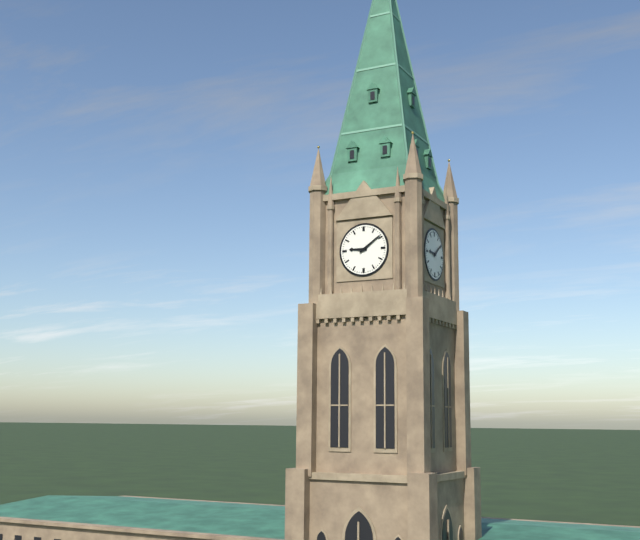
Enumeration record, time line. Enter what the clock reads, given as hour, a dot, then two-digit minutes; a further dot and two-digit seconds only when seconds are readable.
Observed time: 9.09
